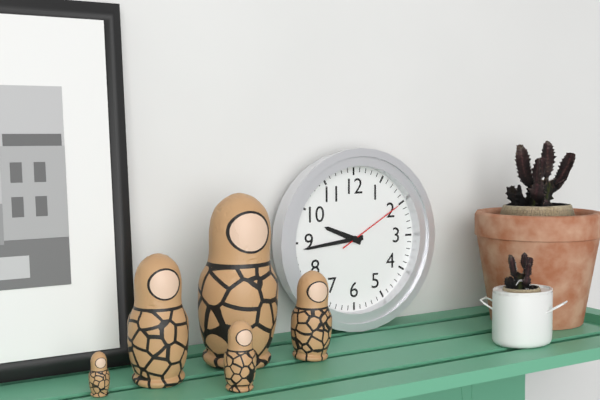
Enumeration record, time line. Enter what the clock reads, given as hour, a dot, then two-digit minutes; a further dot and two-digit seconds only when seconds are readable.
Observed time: 9.44.10
